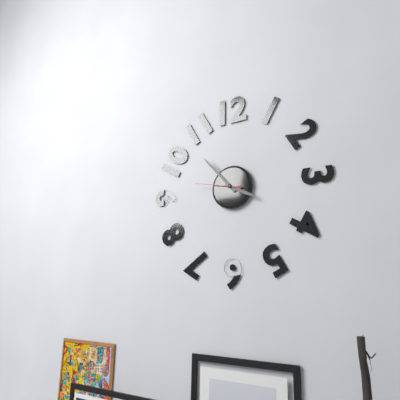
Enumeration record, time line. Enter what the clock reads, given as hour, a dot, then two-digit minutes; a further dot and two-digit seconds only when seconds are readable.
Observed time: 3.53
